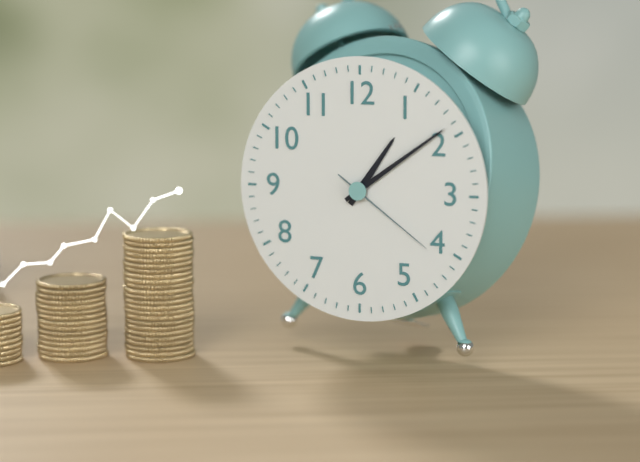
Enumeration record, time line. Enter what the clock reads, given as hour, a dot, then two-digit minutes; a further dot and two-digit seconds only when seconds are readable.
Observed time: 1.09.21
